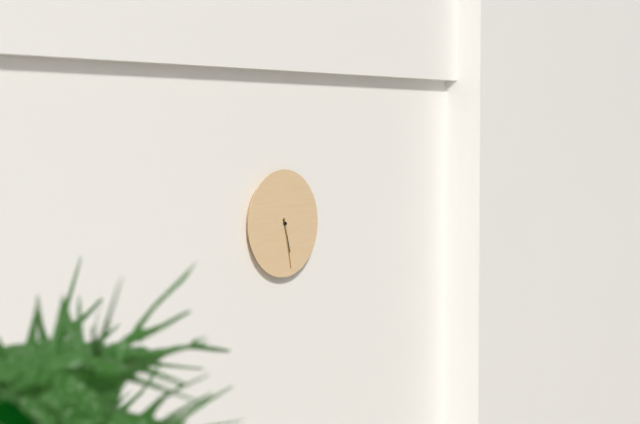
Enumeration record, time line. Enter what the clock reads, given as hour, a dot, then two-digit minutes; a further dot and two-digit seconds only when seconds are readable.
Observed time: 5.28
